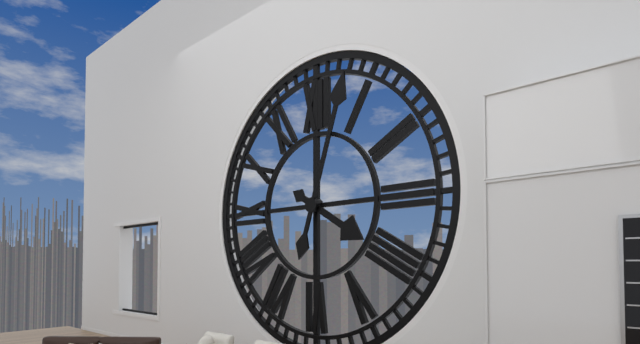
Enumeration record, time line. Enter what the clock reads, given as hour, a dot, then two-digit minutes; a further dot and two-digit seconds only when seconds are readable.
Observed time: 4.03
